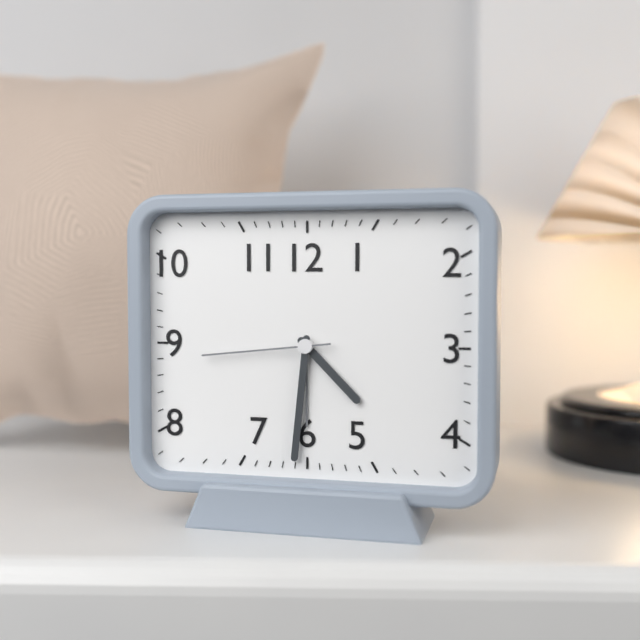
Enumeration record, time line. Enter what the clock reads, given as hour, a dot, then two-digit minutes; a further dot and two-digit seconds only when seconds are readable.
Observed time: 4.31.44
